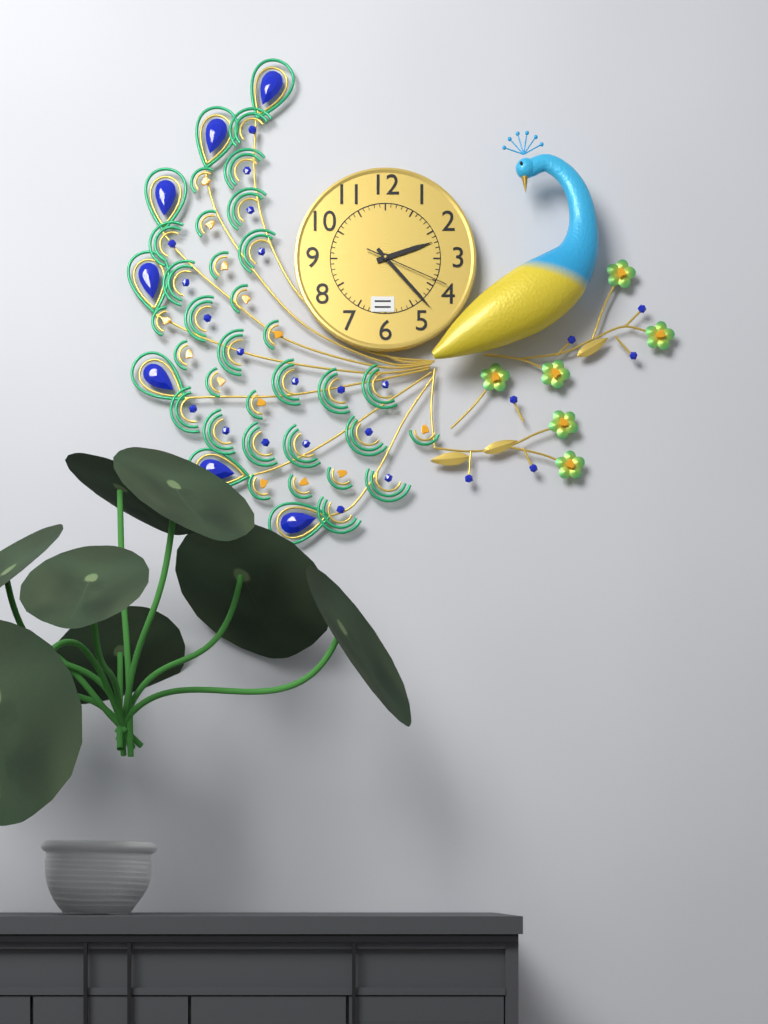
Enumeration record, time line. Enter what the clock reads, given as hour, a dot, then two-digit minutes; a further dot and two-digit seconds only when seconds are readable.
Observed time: 2.23.19
